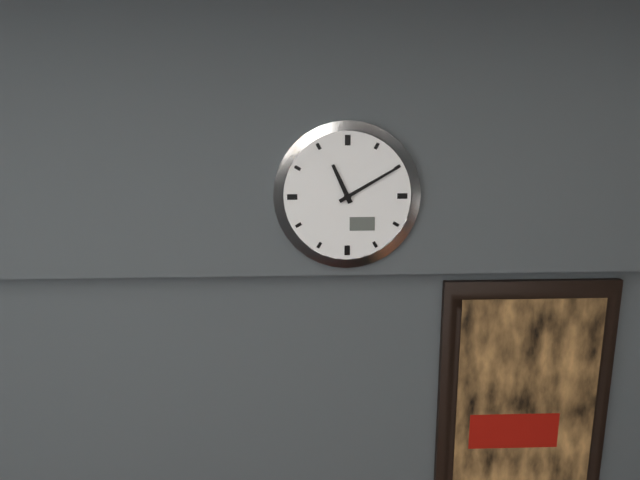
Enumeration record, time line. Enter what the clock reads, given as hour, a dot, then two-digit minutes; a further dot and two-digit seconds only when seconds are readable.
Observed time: 11.10
